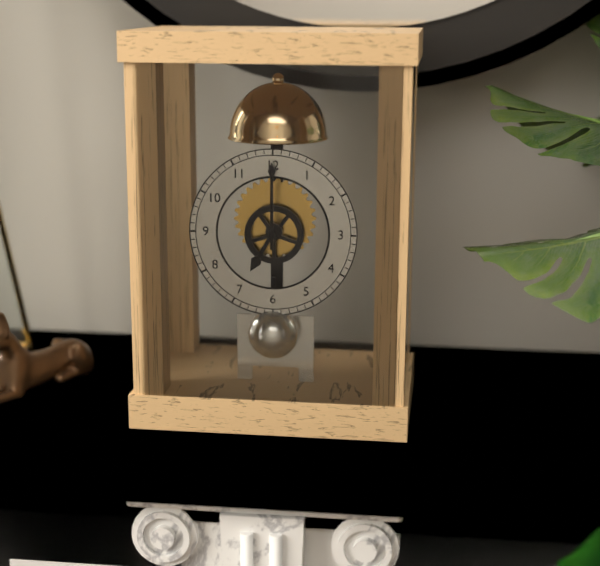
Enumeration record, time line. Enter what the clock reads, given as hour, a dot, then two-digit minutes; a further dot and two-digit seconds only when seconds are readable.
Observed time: 7.00
